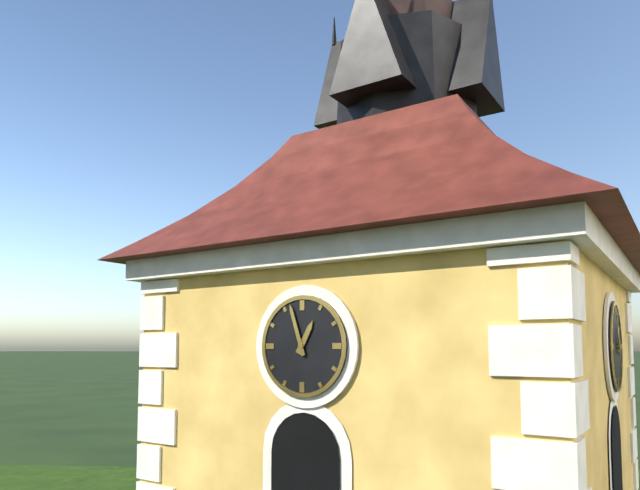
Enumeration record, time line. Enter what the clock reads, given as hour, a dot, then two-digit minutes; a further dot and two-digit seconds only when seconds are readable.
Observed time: 12.57
